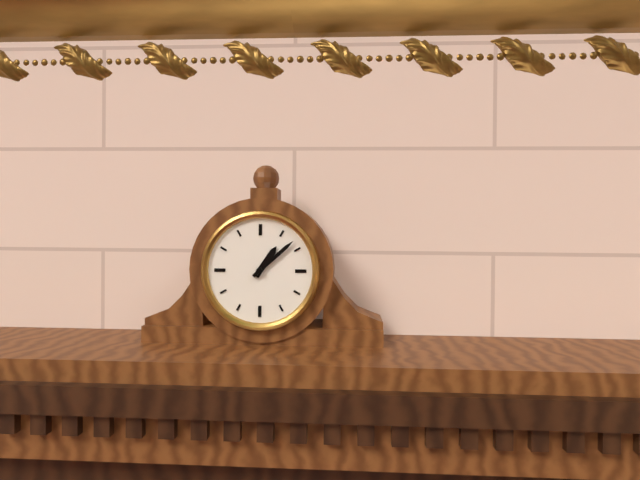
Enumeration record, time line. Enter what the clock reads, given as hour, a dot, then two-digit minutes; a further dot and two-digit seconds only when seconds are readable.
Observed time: 1.08
